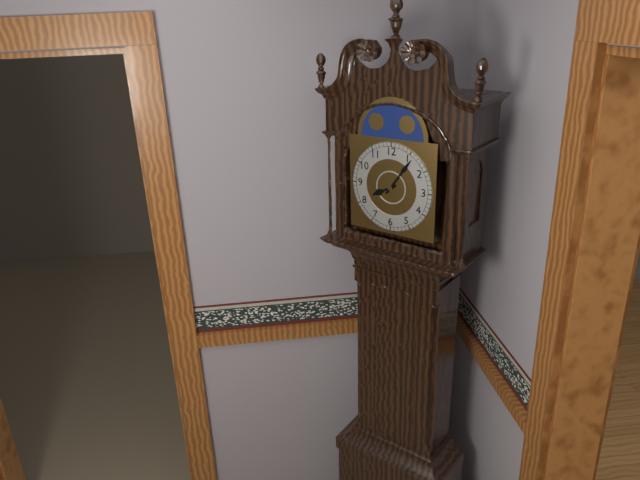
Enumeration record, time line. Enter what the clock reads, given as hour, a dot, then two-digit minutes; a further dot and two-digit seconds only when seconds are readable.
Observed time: 8.06
